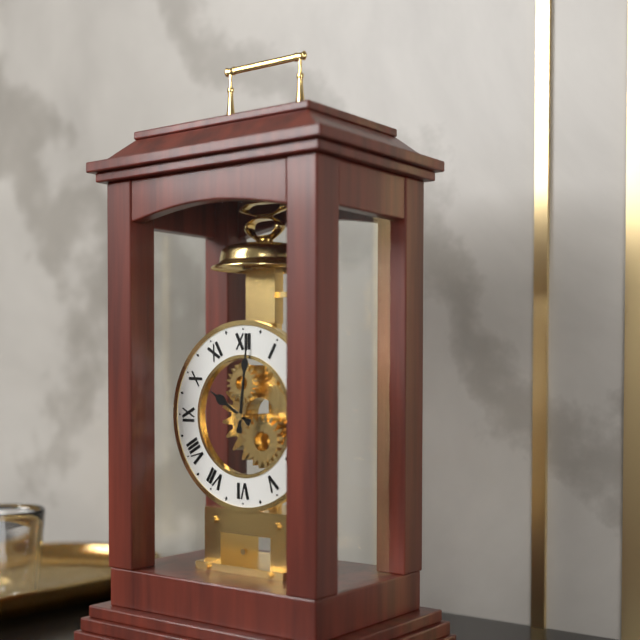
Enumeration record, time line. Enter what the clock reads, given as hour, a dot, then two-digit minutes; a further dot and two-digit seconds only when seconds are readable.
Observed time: 10.01
